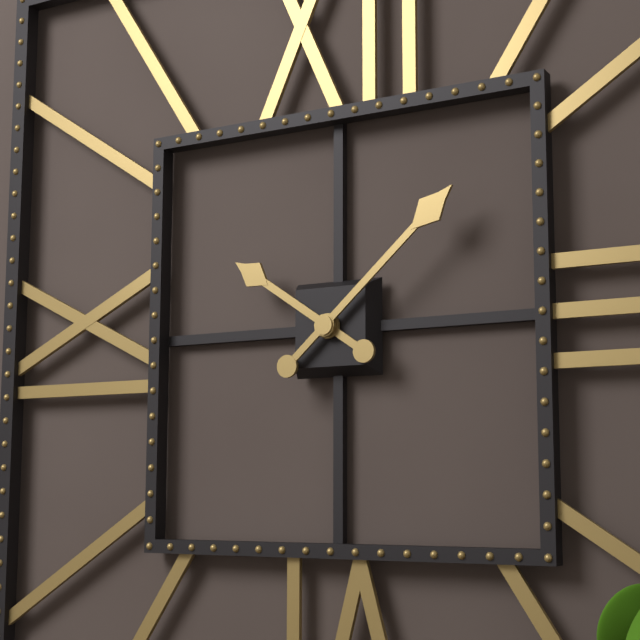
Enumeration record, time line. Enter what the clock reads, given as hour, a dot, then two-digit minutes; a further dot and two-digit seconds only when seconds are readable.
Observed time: 10.08
